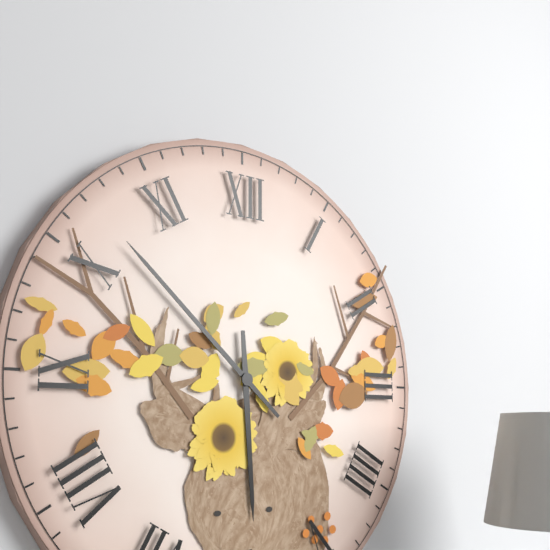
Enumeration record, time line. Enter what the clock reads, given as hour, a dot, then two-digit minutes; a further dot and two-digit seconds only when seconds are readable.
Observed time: 5.52
